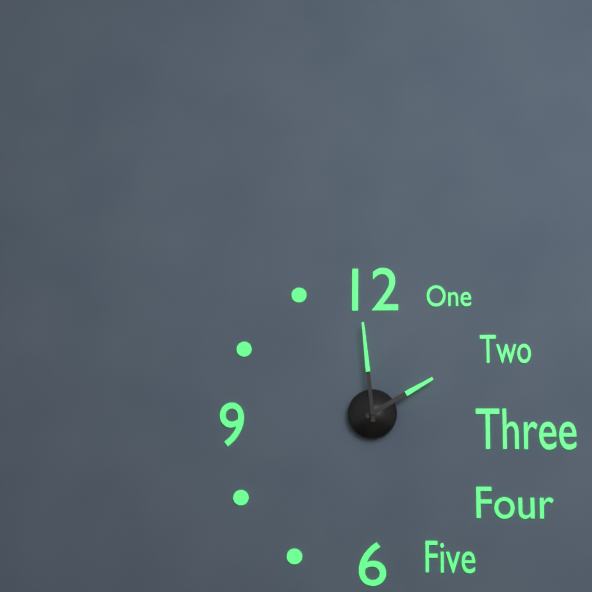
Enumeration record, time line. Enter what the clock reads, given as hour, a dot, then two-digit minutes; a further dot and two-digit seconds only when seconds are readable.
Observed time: 1.59
